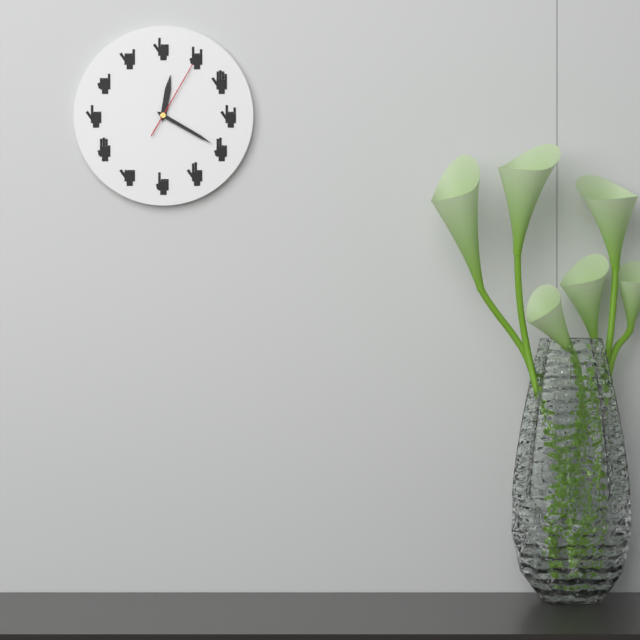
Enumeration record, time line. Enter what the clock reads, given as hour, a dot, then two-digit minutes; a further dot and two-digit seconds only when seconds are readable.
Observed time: 12.20.05
